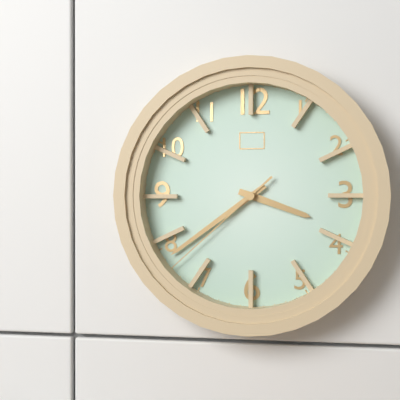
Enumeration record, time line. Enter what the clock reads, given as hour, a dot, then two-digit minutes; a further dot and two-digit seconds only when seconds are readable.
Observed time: 3.39.38
